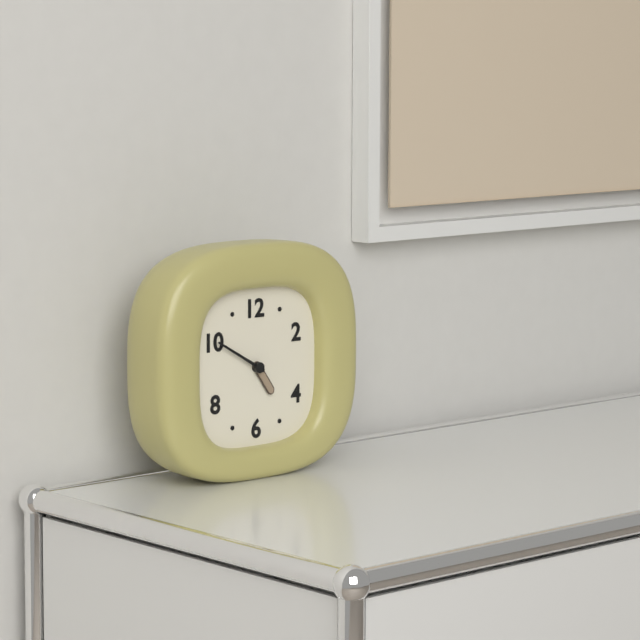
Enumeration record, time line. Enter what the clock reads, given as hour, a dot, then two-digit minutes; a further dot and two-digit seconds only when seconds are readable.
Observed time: 4.50
